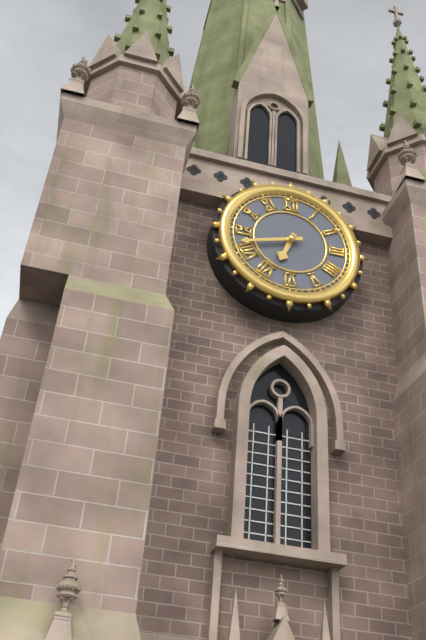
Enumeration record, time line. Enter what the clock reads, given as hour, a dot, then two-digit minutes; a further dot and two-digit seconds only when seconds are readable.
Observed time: 6.42
